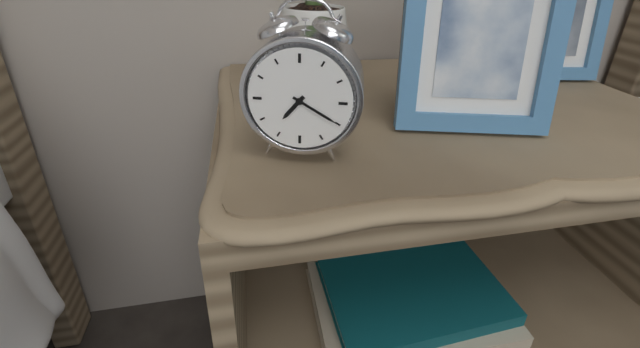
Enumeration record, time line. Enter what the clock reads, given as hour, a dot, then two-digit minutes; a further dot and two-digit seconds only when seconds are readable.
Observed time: 7.20
